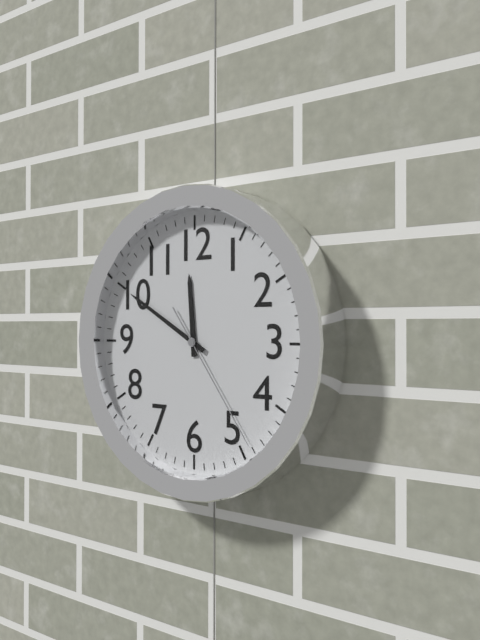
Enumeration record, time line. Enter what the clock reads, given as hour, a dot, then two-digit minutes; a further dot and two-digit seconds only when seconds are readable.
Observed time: 11.50.24
